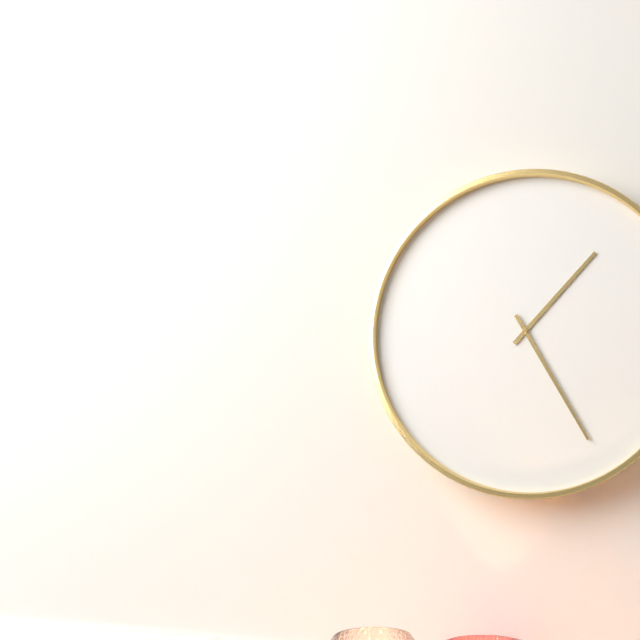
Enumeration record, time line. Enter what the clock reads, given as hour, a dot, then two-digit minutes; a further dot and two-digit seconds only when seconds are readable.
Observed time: 1.25
